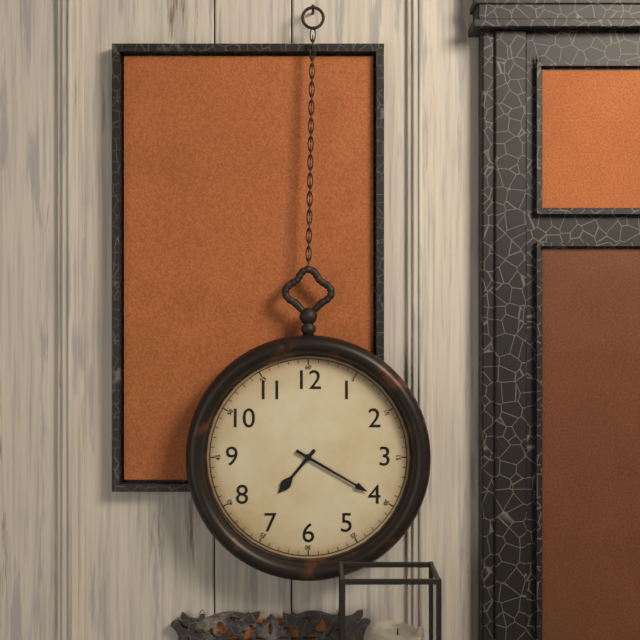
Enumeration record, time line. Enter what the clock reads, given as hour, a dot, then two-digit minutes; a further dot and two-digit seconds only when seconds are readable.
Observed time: 7.20
